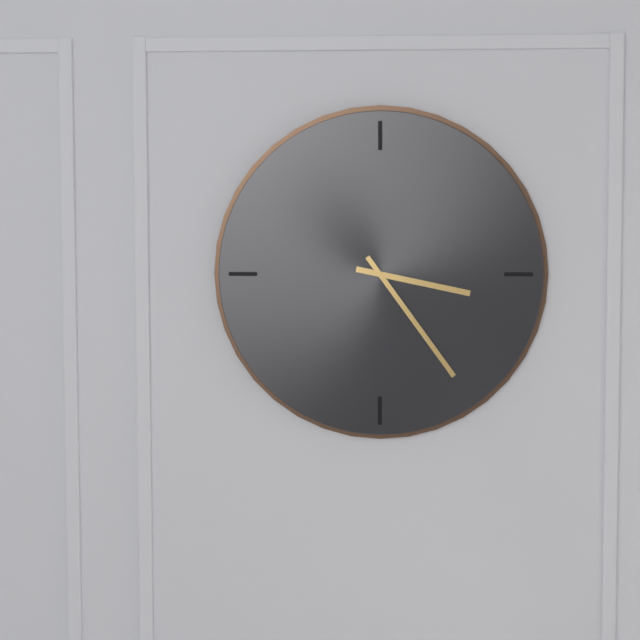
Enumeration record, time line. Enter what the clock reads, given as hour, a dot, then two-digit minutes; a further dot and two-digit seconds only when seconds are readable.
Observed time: 3.24
